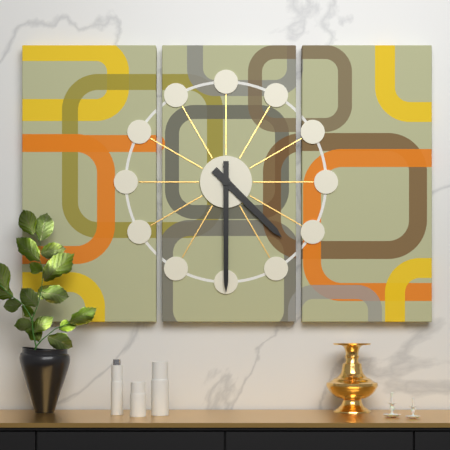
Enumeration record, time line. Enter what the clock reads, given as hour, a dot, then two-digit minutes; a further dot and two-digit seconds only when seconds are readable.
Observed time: 4.30
